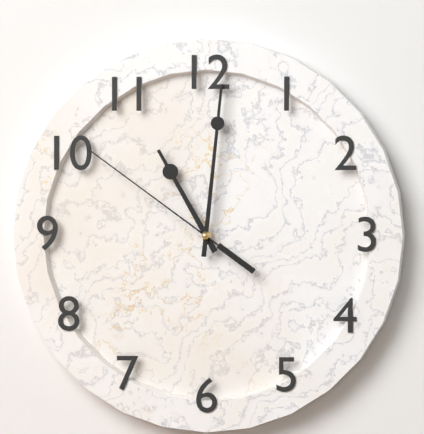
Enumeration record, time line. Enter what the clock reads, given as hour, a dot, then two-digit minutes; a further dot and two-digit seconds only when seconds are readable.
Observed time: 11.01.51
